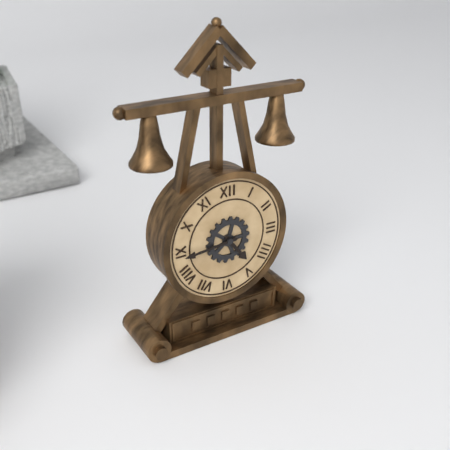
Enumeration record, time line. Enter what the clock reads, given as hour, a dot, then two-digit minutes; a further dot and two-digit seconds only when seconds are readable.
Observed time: 4.44
